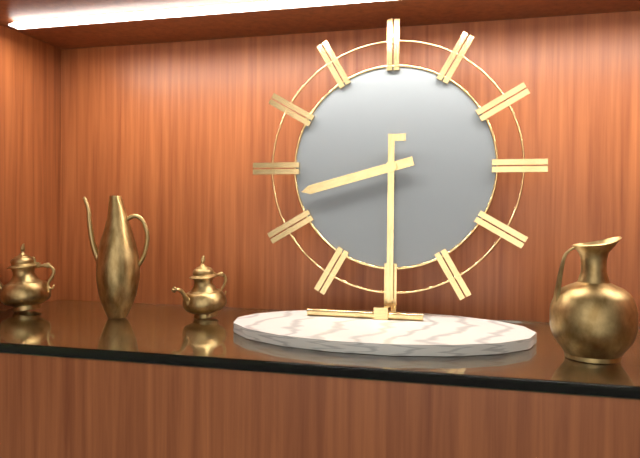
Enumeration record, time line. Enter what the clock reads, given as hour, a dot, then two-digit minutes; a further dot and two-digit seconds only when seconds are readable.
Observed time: 8.30
